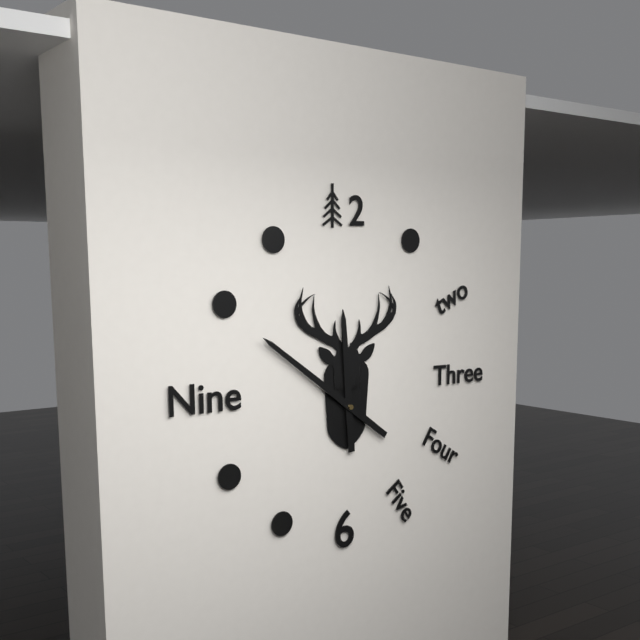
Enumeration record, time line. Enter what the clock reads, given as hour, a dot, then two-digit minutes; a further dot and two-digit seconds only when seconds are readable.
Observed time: 11.51
